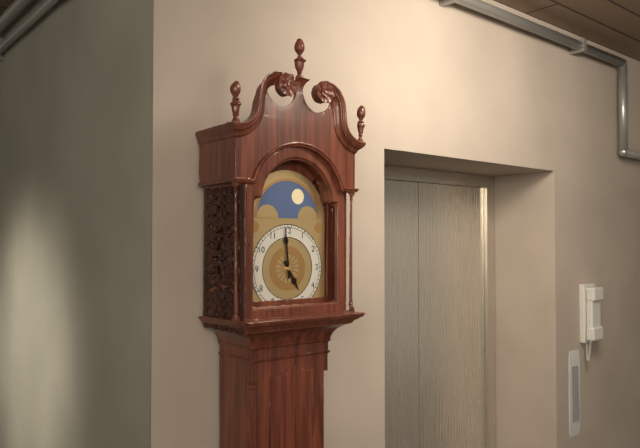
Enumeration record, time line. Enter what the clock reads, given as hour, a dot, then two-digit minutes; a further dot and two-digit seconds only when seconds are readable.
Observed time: 4.59
